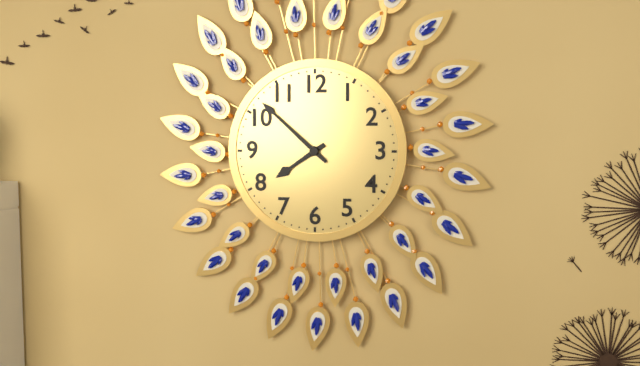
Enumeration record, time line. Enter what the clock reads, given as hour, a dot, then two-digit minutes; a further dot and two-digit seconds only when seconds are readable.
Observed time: 7.52
